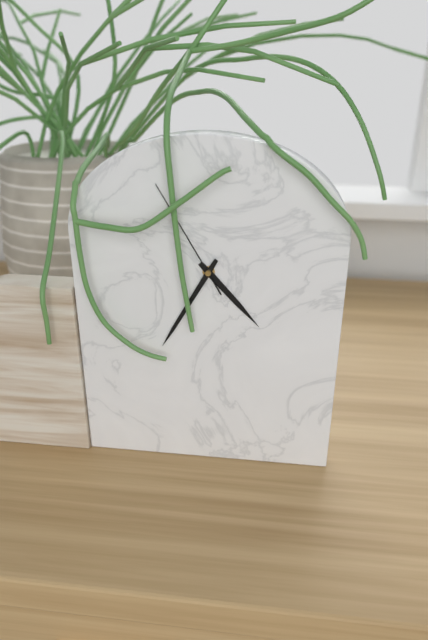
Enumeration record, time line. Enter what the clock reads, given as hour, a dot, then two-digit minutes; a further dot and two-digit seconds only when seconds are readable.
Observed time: 4.35.55
